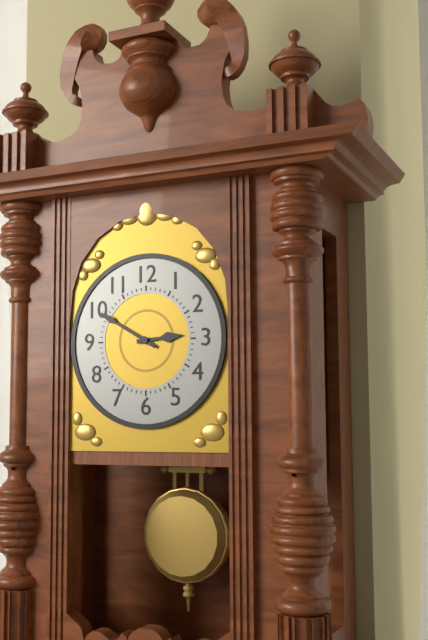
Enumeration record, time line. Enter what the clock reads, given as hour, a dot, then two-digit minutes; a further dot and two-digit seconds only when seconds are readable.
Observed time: 2.50
